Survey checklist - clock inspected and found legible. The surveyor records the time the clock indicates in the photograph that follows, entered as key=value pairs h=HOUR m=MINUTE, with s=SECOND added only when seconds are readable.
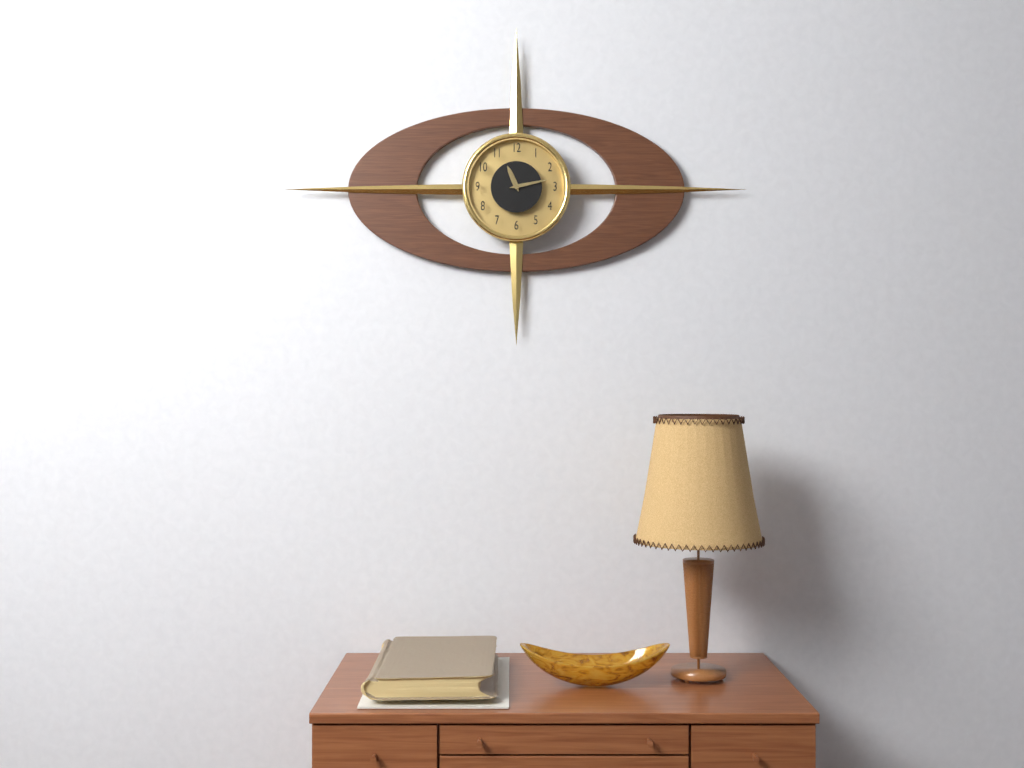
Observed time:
h=11 m=13
